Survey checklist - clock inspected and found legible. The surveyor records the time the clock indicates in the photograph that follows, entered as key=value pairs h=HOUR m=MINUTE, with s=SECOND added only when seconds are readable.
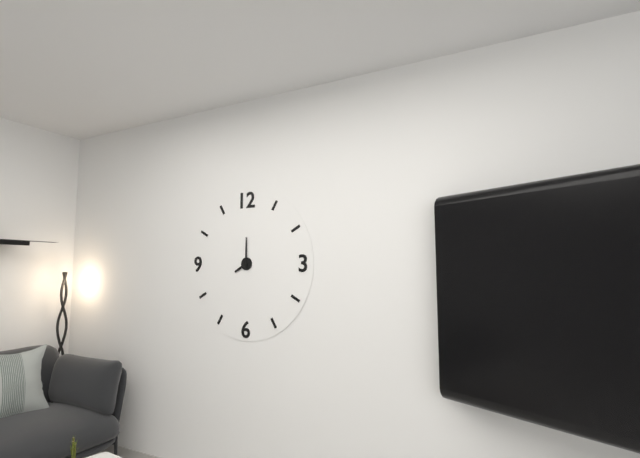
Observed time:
h=8 m=0
